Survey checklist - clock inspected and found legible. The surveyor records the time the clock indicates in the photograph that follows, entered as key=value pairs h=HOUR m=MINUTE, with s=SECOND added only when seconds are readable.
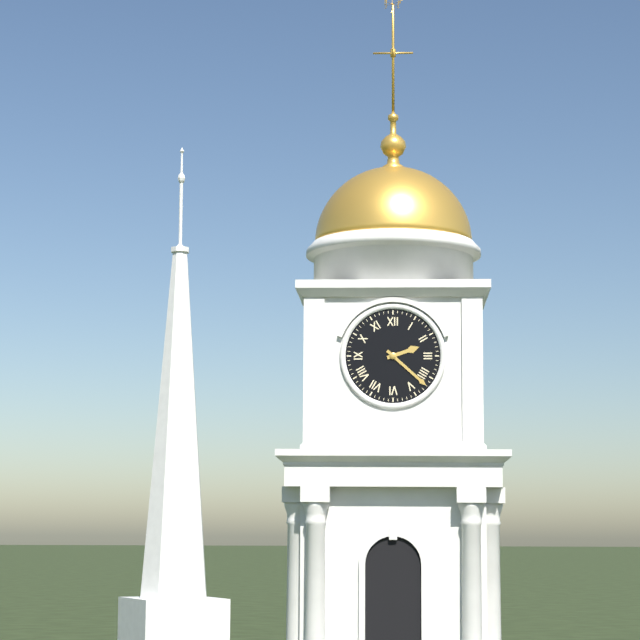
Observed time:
h=2 m=22
